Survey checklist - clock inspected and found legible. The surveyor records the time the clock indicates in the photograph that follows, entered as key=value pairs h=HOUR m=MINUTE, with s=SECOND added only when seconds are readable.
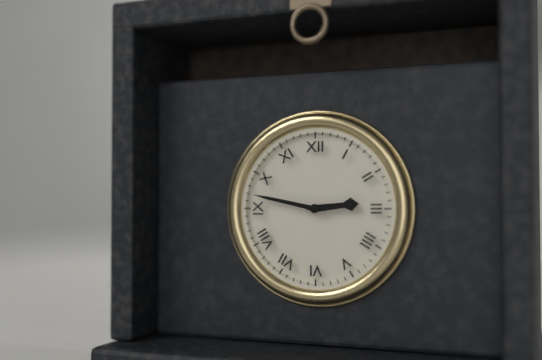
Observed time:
h=2 m=47
